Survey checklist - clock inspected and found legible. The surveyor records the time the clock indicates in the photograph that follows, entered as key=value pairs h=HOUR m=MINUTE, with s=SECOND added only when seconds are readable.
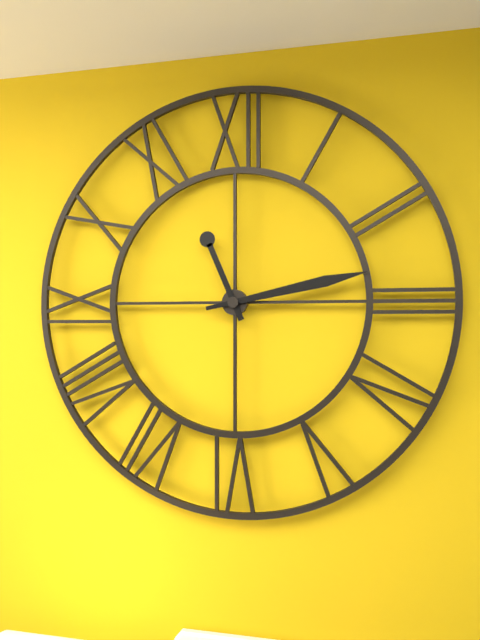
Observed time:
h=11 m=13
